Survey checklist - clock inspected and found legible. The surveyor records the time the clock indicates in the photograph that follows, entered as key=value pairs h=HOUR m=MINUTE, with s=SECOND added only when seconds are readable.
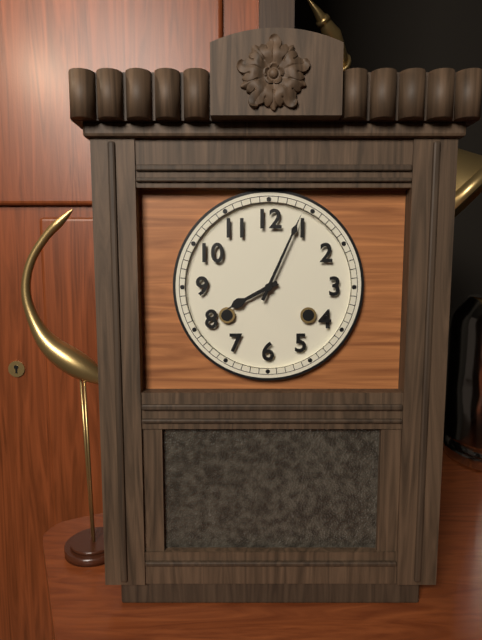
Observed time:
h=8 m=4
